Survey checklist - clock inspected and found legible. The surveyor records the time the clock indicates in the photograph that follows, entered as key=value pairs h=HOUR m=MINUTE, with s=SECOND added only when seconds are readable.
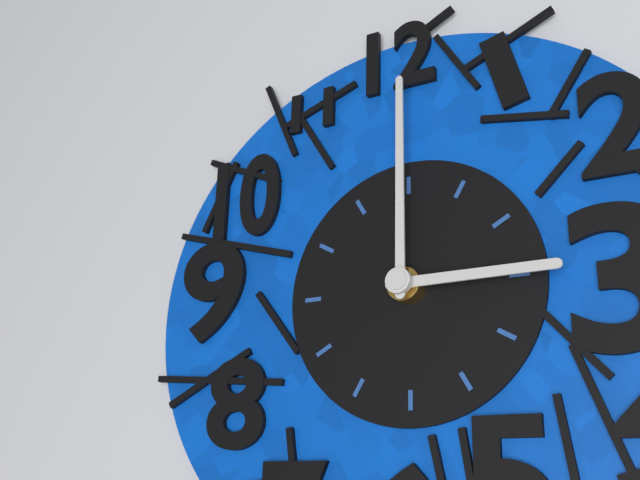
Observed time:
h=3 m=0
